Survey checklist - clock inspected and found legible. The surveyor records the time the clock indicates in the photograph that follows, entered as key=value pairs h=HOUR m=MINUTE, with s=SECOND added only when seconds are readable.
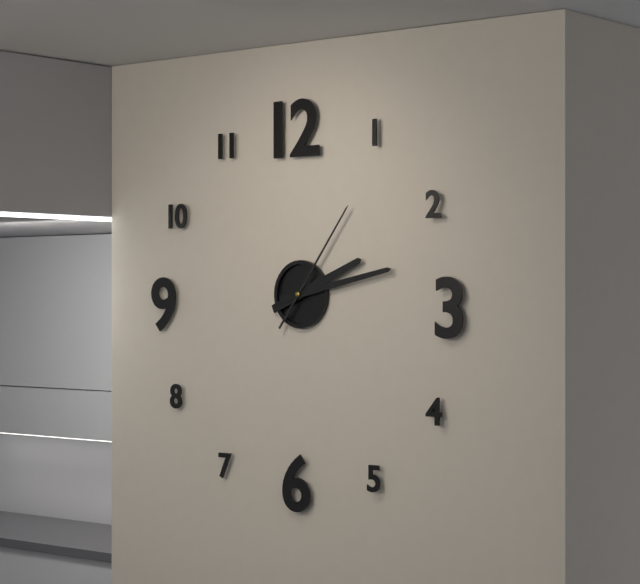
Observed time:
h=2 m=13 s=6
